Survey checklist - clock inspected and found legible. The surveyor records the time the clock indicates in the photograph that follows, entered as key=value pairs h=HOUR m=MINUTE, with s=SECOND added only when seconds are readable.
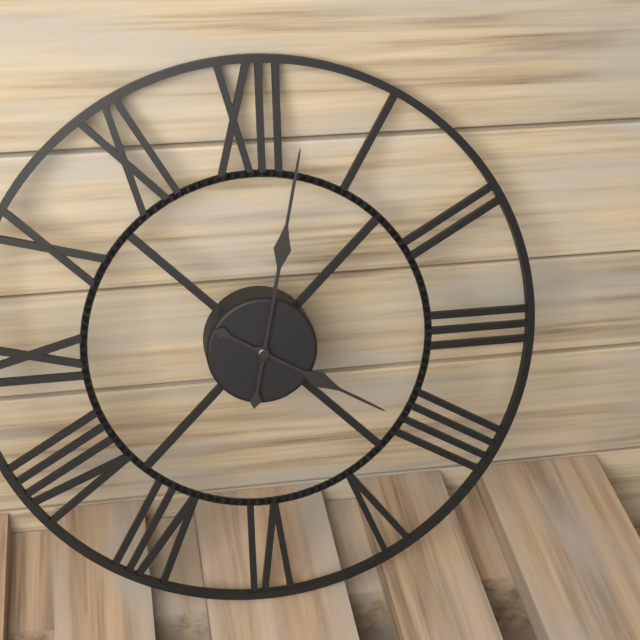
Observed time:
h=4 m=2
